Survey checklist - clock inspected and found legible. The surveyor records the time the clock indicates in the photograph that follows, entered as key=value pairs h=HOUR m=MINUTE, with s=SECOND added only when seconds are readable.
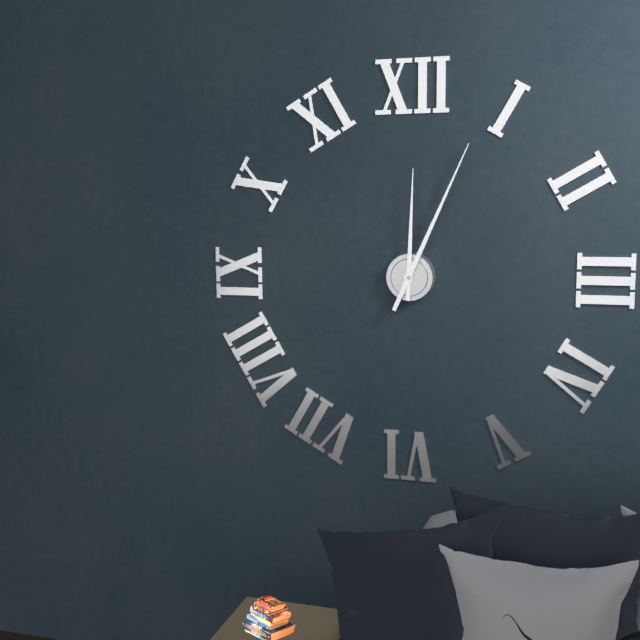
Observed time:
h=12 m=4
